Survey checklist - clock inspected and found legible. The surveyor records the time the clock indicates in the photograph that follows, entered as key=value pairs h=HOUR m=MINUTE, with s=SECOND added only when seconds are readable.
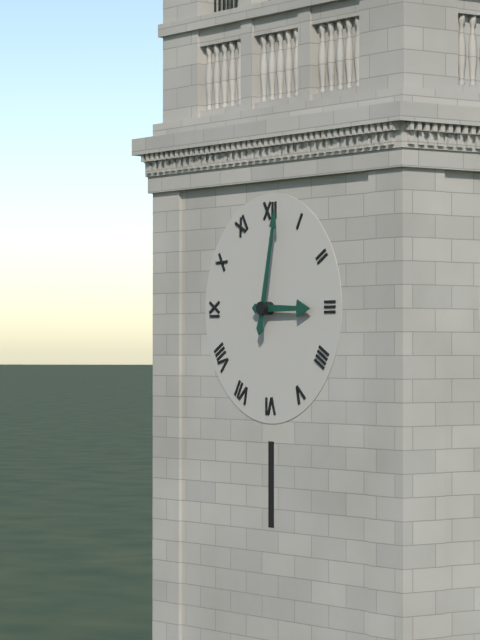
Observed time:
h=3 m=2
